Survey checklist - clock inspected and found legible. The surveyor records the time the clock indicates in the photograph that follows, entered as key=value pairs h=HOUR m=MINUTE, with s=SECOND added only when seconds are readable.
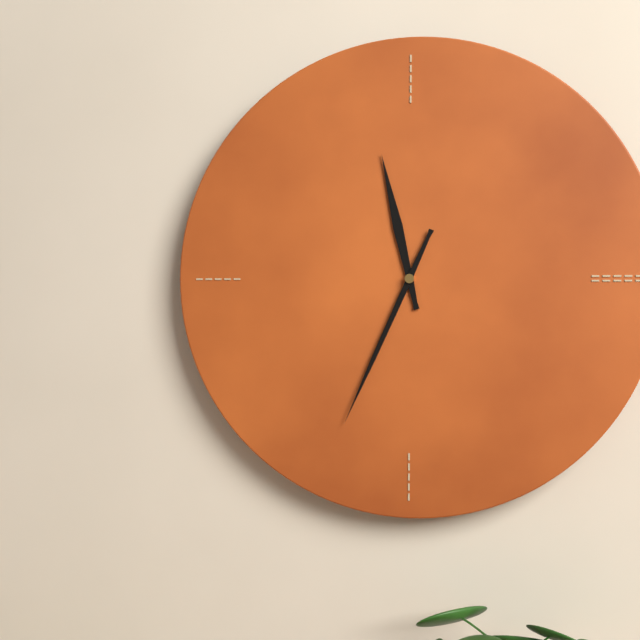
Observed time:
h=11 m=34
